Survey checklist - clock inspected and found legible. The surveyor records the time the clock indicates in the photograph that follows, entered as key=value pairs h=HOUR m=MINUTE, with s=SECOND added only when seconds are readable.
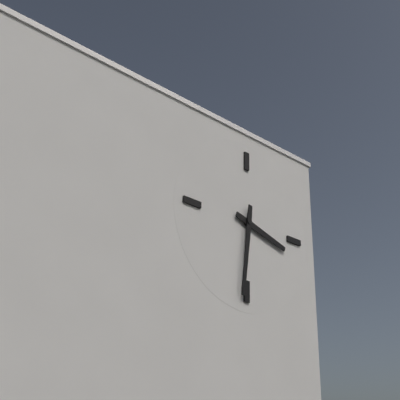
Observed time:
h=3 m=31
